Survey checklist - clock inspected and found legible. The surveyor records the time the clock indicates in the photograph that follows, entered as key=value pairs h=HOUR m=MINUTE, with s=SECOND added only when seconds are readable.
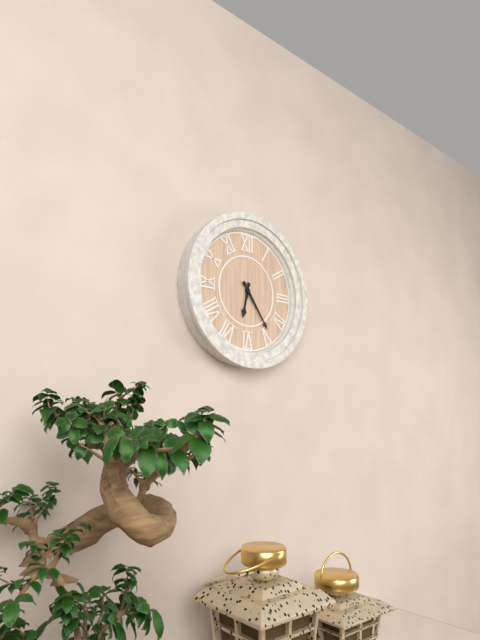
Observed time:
h=6 m=24
